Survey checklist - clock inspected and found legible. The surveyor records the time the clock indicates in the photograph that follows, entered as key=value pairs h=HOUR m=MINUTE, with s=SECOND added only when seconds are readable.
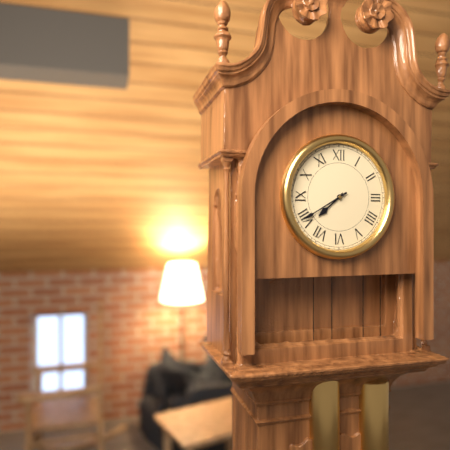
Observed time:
h=7 m=40
